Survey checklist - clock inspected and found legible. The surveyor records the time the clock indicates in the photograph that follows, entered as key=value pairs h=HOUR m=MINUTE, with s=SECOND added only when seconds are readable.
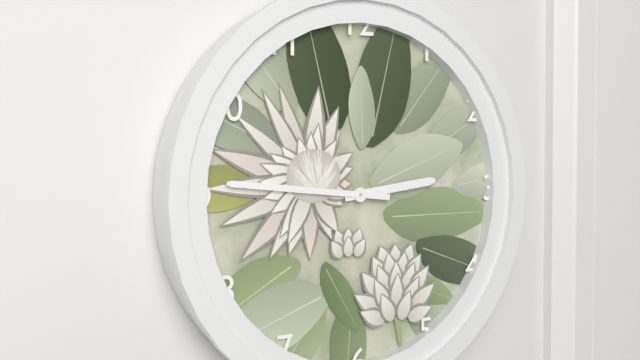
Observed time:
h=2 m=46
